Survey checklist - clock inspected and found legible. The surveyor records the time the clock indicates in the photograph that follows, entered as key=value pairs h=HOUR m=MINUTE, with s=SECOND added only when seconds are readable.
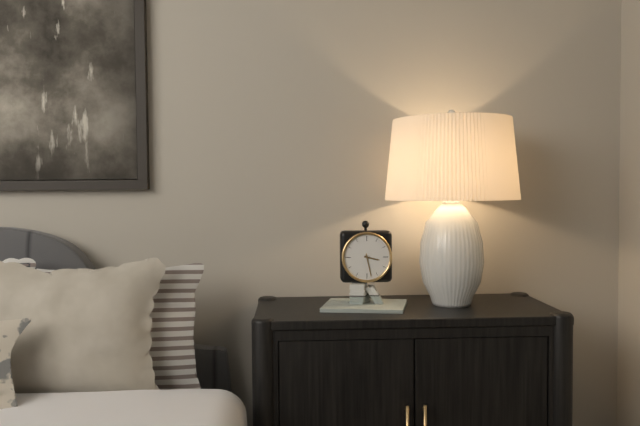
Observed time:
h=3 m=28
